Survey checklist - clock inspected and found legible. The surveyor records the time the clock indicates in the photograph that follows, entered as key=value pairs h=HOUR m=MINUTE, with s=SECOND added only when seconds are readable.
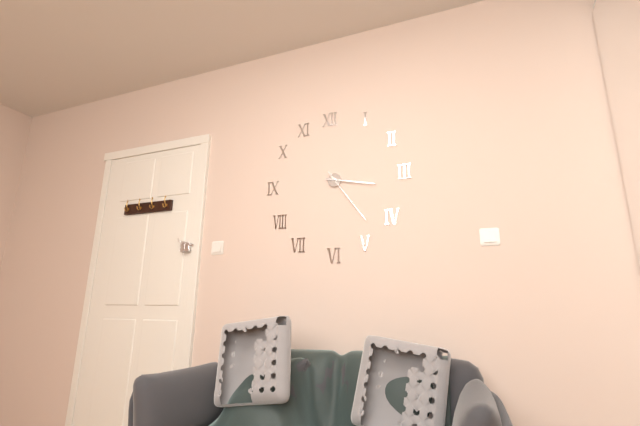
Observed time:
h=3 m=24
